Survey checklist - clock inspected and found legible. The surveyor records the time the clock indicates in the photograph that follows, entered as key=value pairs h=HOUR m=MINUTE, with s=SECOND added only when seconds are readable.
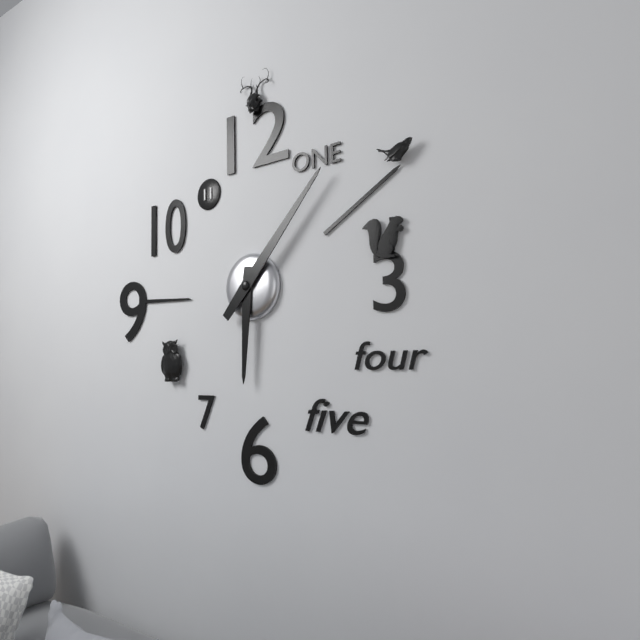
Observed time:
h=6 m=7
